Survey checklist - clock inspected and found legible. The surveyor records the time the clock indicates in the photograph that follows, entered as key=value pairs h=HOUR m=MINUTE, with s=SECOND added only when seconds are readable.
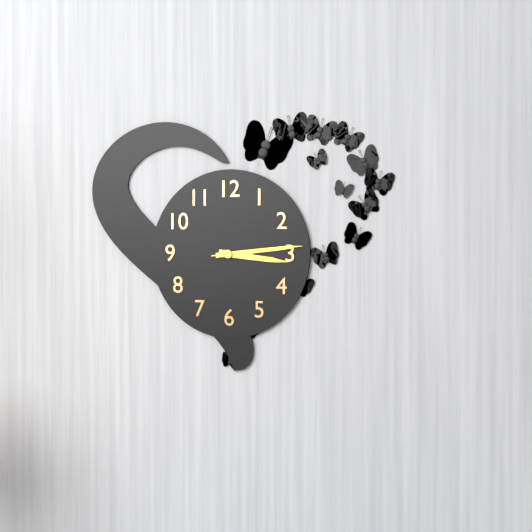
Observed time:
h=3 m=14 s=14
